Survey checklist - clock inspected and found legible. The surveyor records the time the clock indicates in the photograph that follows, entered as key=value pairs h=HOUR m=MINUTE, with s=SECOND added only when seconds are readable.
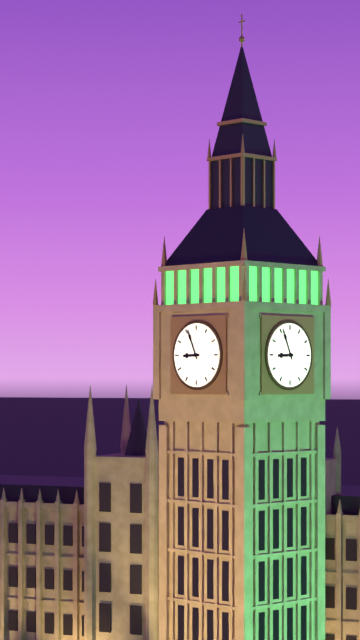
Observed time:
h=8 m=56
